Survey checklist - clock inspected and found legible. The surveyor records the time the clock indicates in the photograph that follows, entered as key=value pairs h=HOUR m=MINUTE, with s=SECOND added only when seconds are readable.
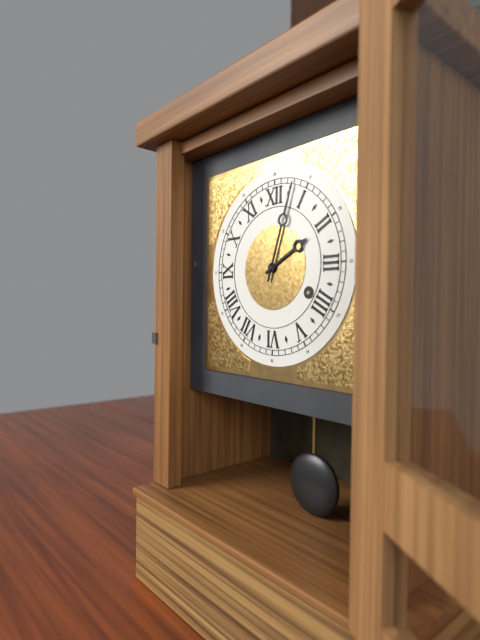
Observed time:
h=2 m=3
